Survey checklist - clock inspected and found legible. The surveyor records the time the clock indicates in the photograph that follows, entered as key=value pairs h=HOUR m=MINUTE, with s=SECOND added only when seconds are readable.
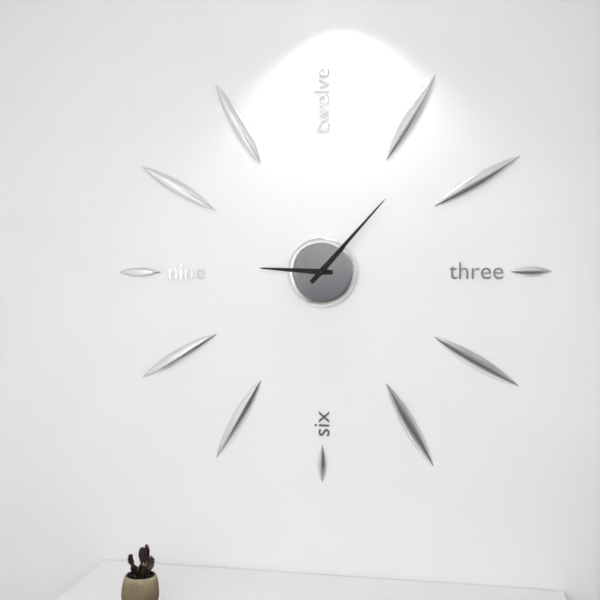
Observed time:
h=9 m=7
